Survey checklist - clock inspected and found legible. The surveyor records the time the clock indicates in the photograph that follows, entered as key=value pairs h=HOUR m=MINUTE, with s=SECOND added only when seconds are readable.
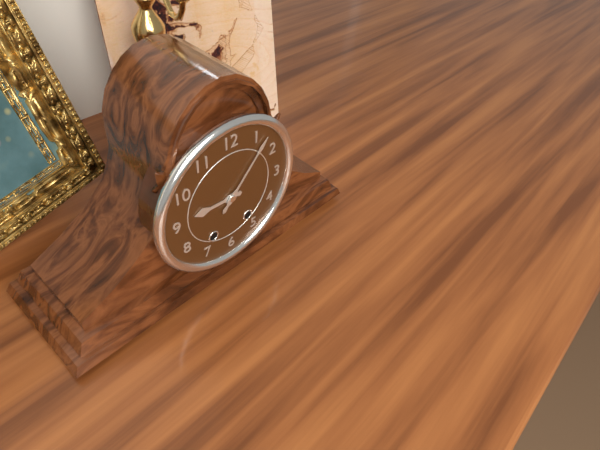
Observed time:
h=9 m=7
